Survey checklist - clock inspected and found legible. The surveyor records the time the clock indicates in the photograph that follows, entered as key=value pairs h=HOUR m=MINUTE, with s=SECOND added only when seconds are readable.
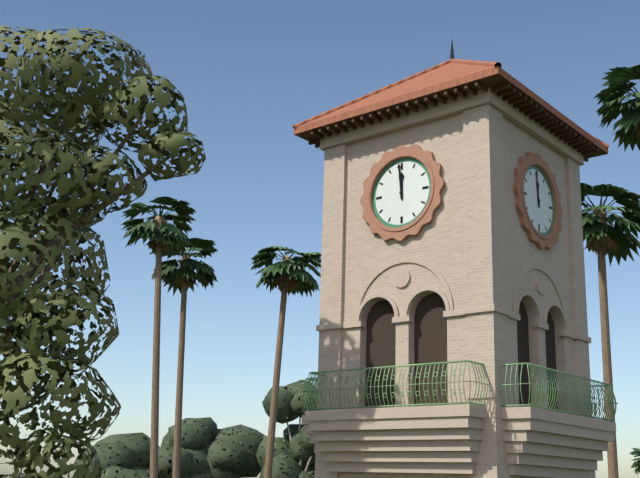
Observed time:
h=11 m=59
